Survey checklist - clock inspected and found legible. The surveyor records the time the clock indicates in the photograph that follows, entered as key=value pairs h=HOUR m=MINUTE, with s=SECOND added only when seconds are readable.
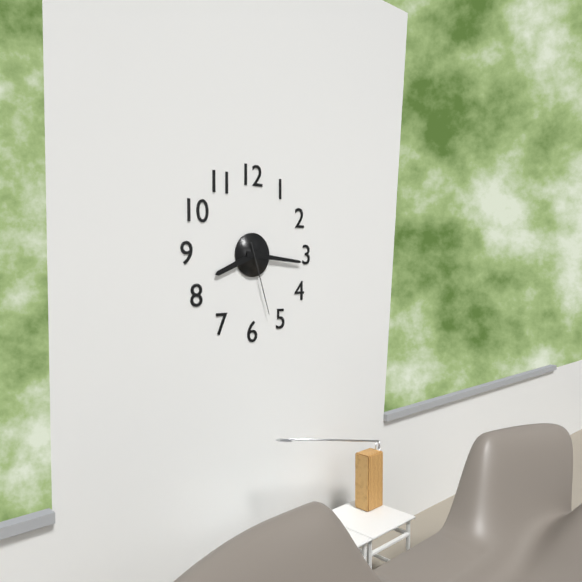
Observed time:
h=8 m=16 s=27
